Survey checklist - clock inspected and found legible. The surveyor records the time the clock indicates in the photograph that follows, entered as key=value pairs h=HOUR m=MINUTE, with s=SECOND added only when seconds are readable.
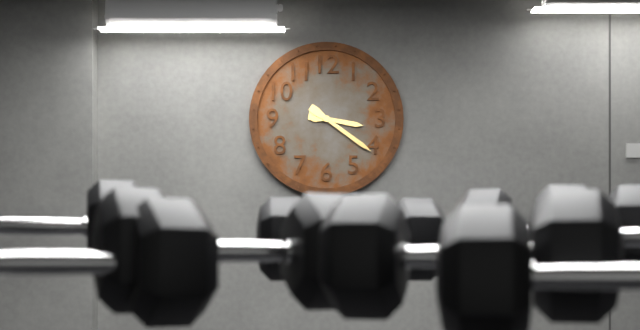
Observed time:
h=3 m=21
